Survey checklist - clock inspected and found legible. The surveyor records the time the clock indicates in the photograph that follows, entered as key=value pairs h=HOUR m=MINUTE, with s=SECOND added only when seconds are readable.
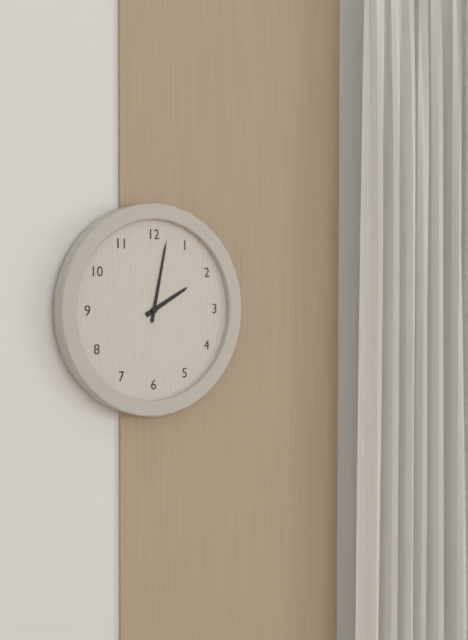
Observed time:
h=2 m=2
